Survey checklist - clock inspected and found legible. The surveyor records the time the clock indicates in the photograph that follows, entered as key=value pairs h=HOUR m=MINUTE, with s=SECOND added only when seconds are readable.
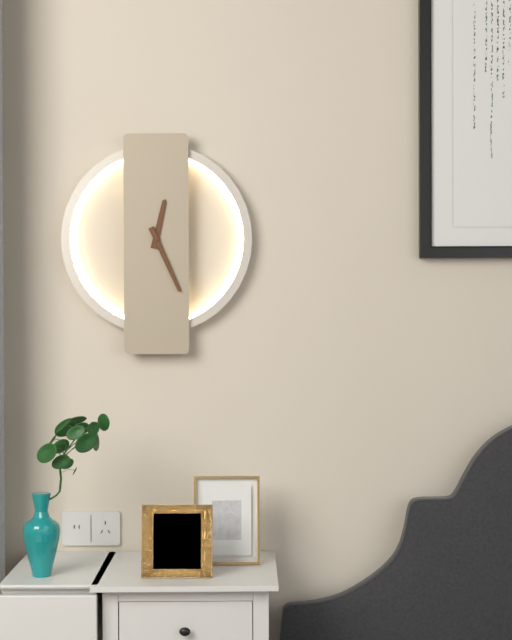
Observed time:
h=12 m=26
